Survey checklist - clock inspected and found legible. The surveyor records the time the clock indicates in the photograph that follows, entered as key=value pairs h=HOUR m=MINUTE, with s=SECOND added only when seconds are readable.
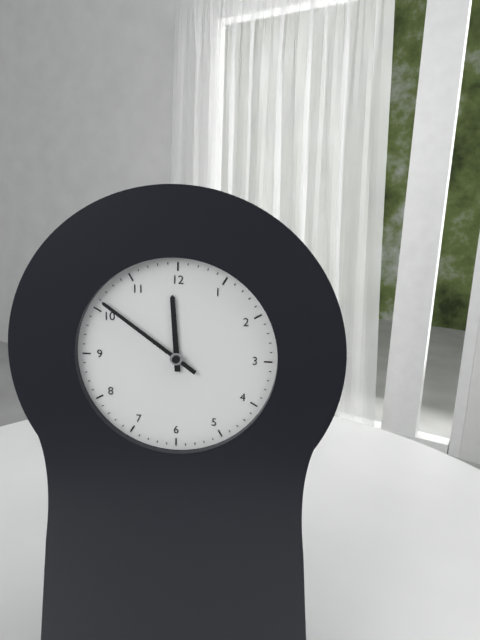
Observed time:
h=11 m=51
